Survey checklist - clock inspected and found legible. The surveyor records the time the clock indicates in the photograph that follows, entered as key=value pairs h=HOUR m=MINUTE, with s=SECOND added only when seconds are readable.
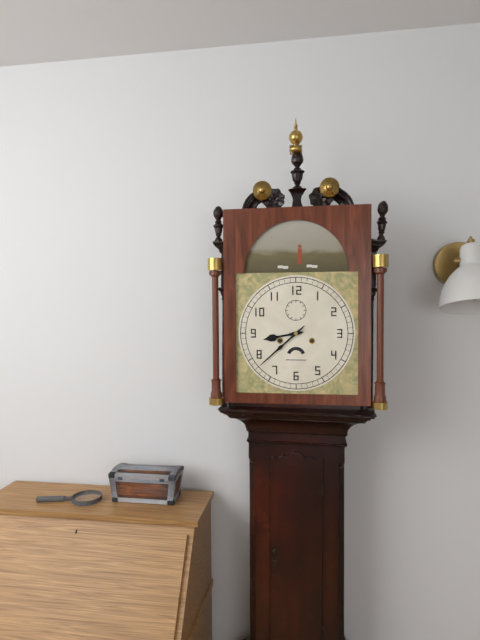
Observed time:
h=8 m=38
